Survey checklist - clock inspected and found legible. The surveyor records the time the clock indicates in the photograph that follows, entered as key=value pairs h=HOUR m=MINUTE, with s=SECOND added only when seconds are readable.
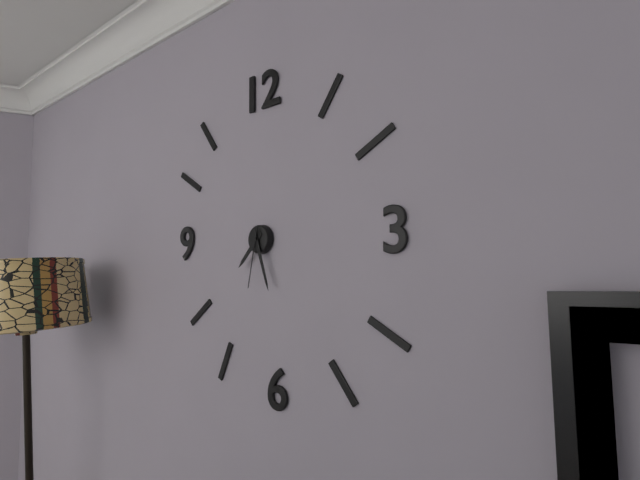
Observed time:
h=7 m=27 s=32
